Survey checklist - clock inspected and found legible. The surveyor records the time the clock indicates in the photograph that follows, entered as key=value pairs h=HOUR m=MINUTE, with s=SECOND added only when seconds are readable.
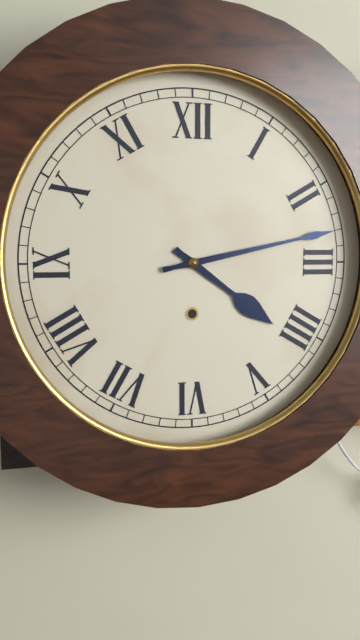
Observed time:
h=4 m=13
